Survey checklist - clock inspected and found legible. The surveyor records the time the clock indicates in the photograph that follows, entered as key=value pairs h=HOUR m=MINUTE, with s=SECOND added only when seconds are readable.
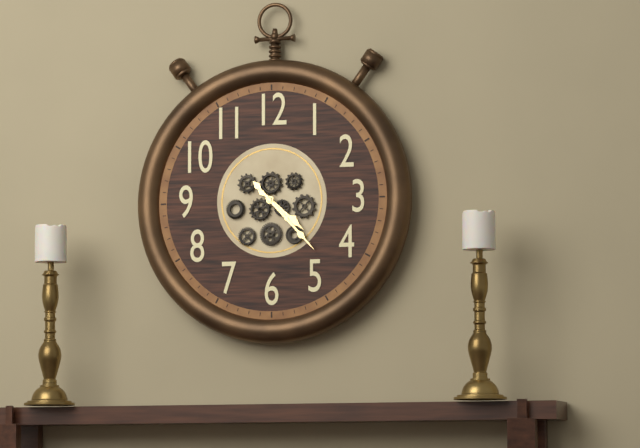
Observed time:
h=4 m=23
